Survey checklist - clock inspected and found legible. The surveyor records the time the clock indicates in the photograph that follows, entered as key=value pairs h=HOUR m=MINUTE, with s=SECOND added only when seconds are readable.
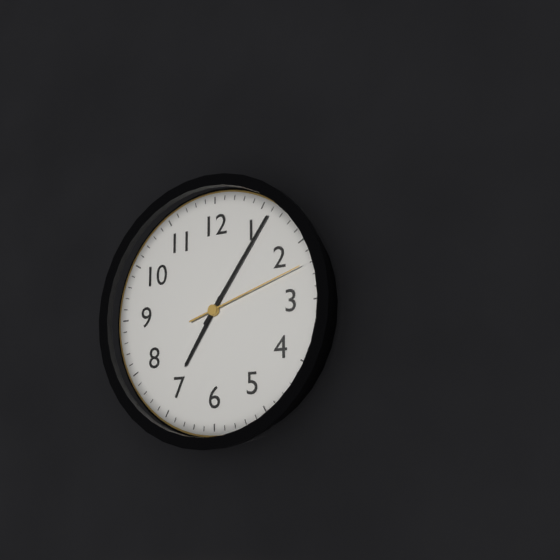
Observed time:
h=7 m=6 s=12
